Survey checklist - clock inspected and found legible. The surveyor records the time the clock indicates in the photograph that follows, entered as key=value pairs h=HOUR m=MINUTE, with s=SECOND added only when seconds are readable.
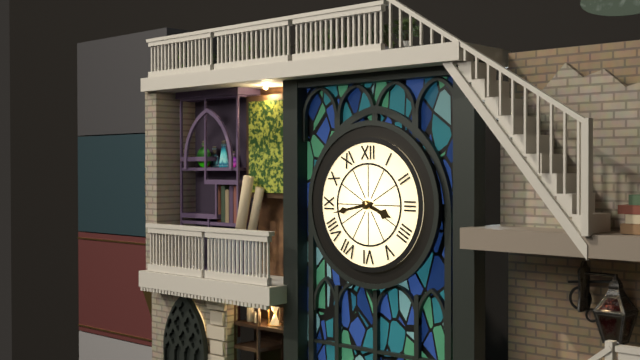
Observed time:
h=3 m=43
